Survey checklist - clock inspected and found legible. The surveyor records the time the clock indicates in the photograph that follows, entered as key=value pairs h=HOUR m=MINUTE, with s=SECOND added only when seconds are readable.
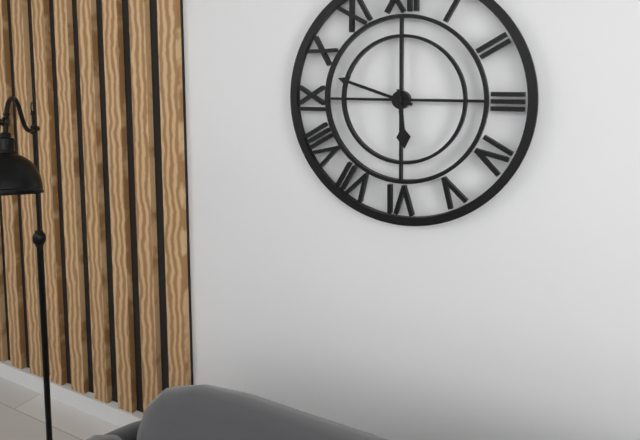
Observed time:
h=5 m=48
